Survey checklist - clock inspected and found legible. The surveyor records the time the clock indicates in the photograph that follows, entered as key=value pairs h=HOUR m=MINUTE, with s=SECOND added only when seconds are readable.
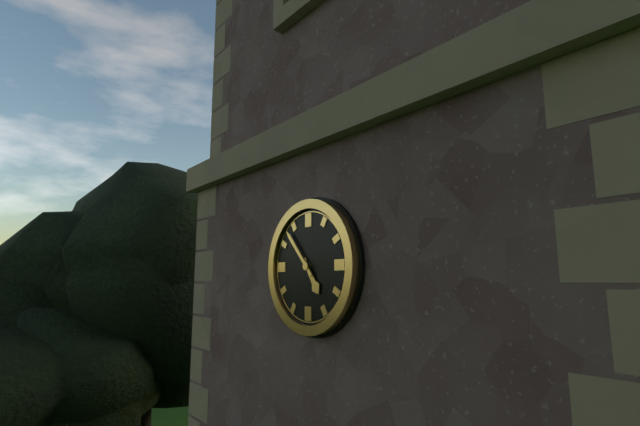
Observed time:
h=4 m=53
